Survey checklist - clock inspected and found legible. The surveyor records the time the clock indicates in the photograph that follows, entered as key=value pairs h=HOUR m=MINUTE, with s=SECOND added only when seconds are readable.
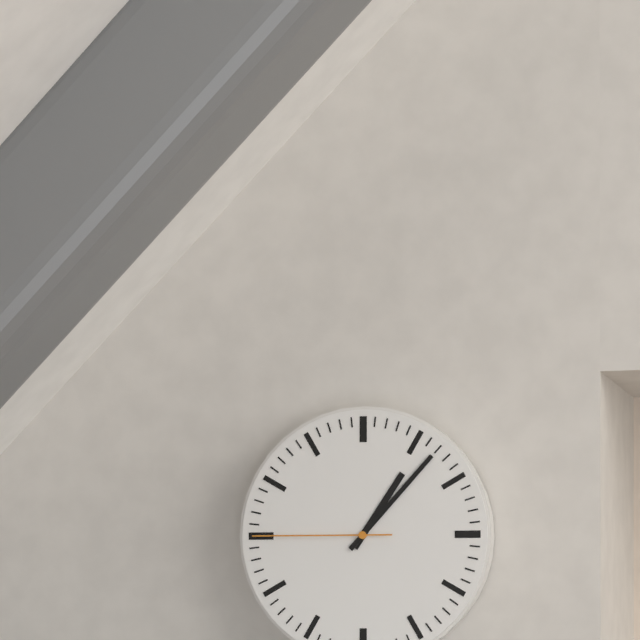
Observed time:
h=1 m=7 s=45
